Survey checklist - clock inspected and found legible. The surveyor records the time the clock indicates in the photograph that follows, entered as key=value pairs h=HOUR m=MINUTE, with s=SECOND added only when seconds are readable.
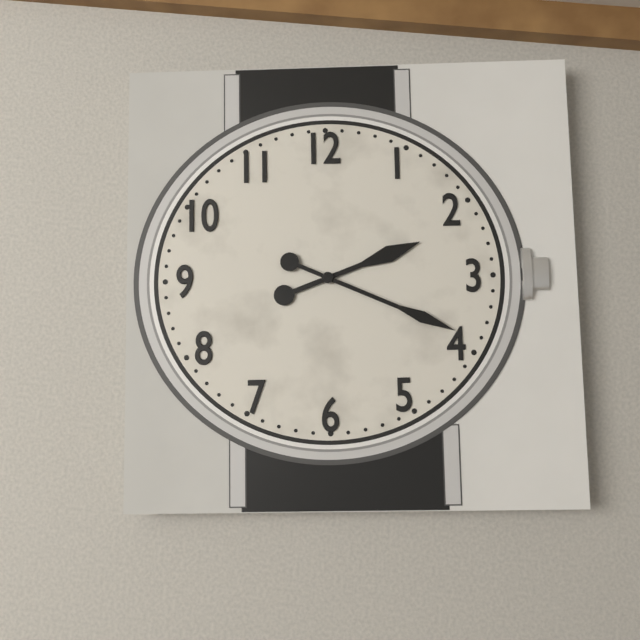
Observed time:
h=2 m=19
